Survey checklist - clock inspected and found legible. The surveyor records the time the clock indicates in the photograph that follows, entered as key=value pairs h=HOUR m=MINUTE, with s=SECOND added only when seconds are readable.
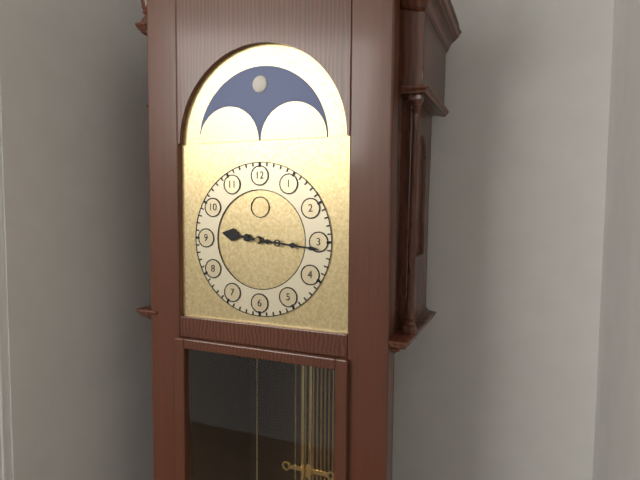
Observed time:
h=9 m=16
